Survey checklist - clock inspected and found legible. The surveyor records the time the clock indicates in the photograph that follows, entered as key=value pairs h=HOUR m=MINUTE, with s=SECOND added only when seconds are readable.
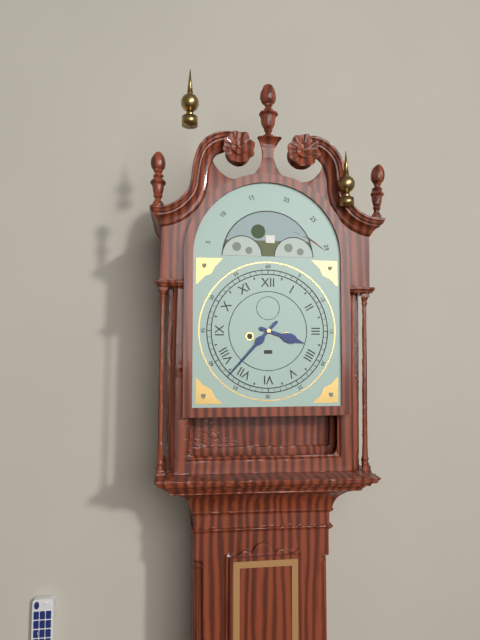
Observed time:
h=3 m=37
